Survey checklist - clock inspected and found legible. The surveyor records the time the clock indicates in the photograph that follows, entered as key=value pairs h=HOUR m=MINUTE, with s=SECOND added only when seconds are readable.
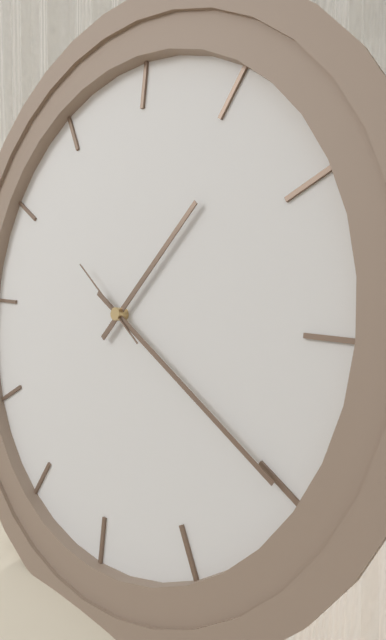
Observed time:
h=1 m=20 s=51
